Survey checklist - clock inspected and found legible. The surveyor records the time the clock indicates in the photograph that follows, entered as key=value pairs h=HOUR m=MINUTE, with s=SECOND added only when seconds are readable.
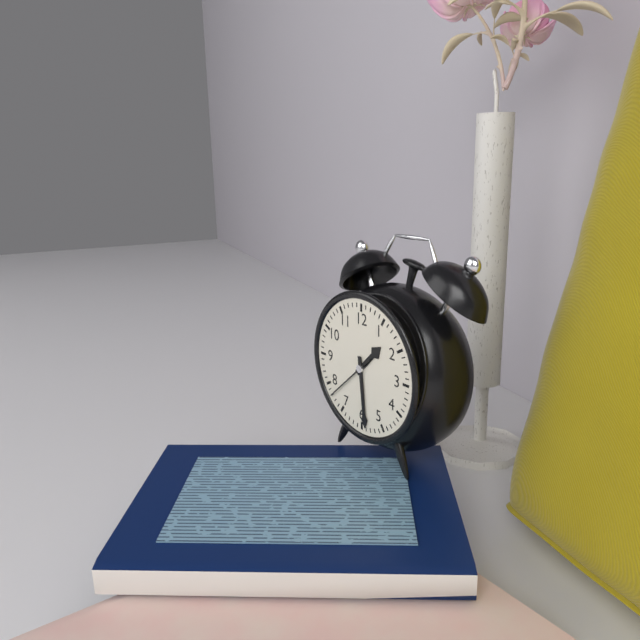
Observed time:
h=1 m=29
